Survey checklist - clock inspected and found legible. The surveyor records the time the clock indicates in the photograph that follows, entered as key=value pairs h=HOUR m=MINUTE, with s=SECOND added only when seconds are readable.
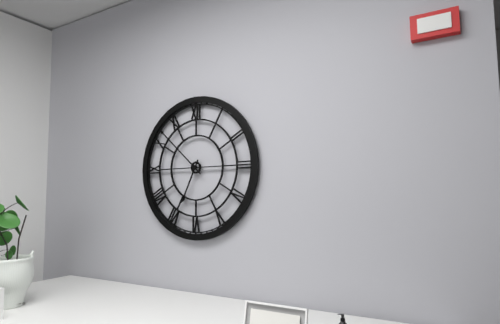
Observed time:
h=6 m=52
